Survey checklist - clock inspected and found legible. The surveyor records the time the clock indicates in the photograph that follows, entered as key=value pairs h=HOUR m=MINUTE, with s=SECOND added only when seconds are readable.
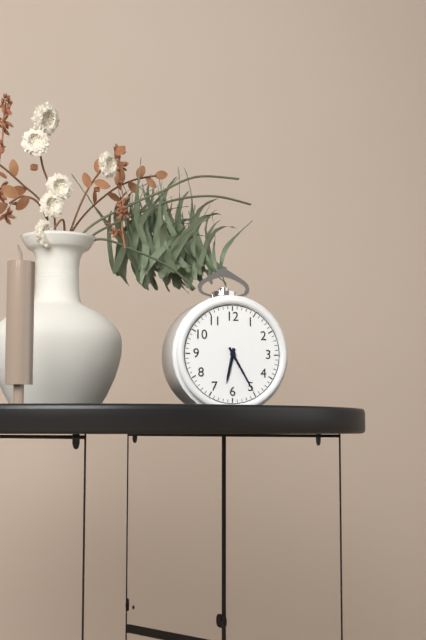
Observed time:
h=6 m=25
